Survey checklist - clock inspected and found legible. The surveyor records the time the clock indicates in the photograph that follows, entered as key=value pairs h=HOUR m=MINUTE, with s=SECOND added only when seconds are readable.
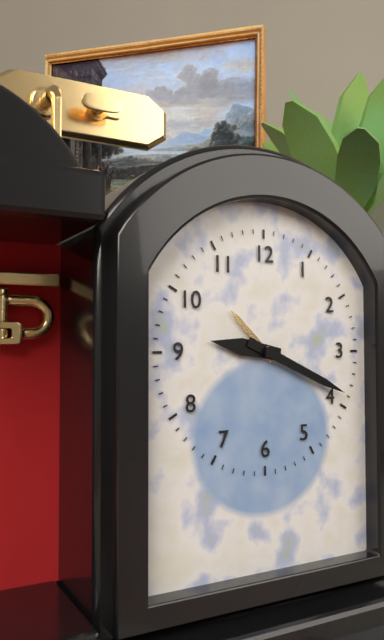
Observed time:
h=9 m=19
